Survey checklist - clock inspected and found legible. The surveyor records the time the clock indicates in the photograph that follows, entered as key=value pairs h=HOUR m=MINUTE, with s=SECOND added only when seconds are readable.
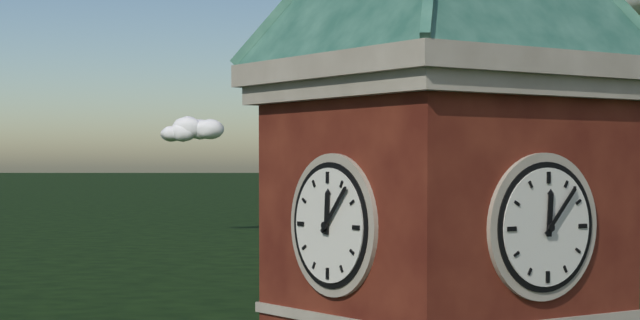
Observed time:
h=12 m=7
